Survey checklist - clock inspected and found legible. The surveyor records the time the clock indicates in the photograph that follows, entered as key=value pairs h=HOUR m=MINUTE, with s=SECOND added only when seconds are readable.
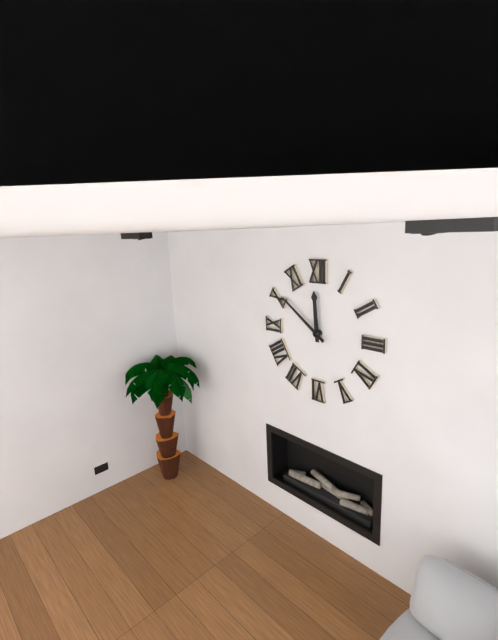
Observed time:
h=11 m=51
